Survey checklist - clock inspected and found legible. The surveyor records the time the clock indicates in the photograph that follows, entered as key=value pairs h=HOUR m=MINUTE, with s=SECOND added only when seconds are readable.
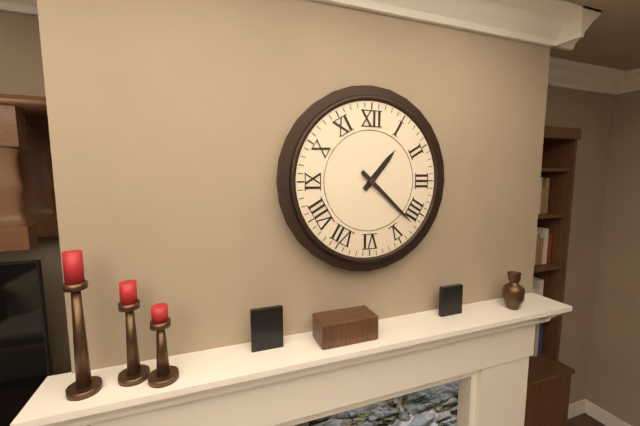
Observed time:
h=1 m=22
